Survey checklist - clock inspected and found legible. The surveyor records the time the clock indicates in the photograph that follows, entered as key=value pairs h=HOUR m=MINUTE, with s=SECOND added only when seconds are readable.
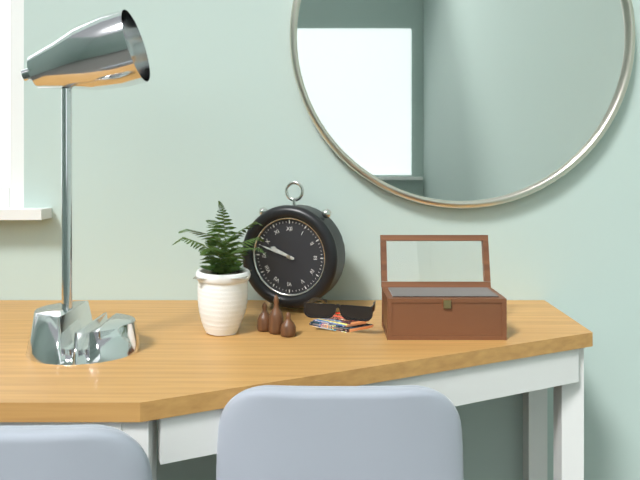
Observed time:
h=9 m=48
